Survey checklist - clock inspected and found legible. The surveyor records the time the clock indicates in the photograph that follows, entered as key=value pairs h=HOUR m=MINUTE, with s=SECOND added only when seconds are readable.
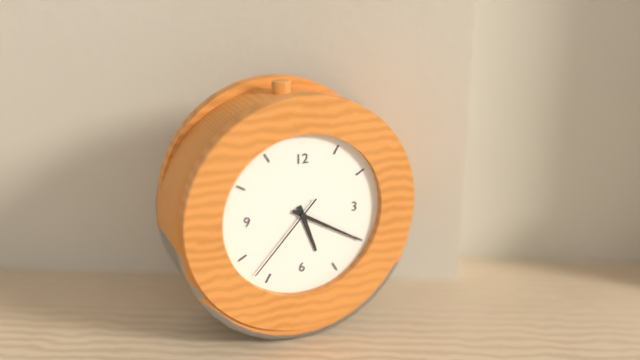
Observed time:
h=5 m=20 s=37
